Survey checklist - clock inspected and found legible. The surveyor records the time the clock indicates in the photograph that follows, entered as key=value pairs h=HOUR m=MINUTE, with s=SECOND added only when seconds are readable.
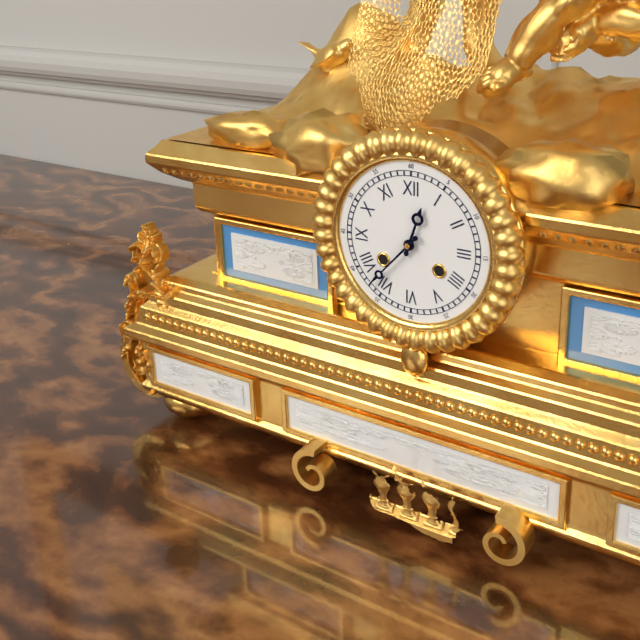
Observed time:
h=12 m=37
